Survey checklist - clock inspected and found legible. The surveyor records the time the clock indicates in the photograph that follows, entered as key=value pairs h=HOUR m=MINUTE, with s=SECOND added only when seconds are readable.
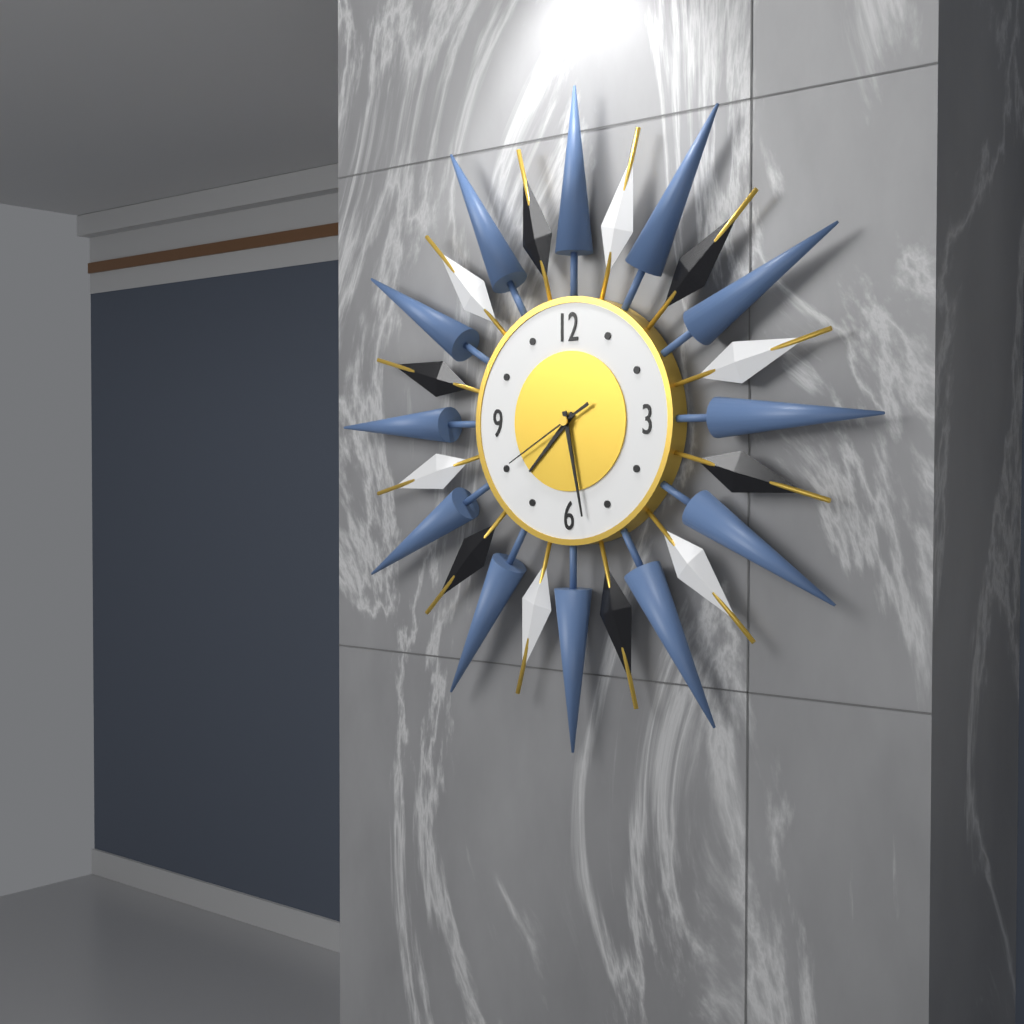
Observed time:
h=7 m=28 s=40
